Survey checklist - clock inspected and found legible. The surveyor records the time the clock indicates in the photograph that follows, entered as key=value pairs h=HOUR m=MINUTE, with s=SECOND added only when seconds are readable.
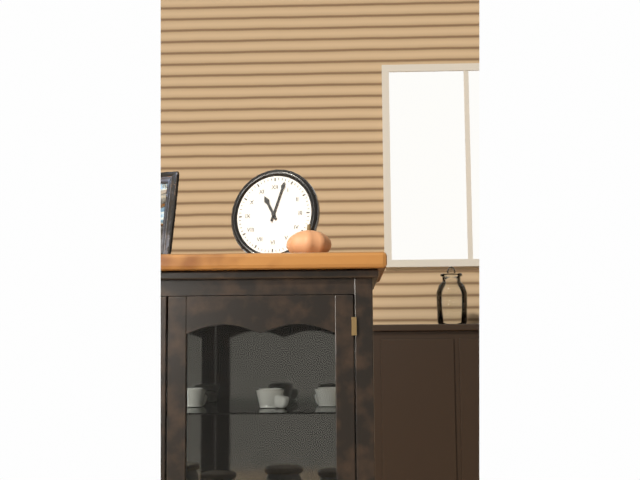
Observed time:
h=11 m=3
